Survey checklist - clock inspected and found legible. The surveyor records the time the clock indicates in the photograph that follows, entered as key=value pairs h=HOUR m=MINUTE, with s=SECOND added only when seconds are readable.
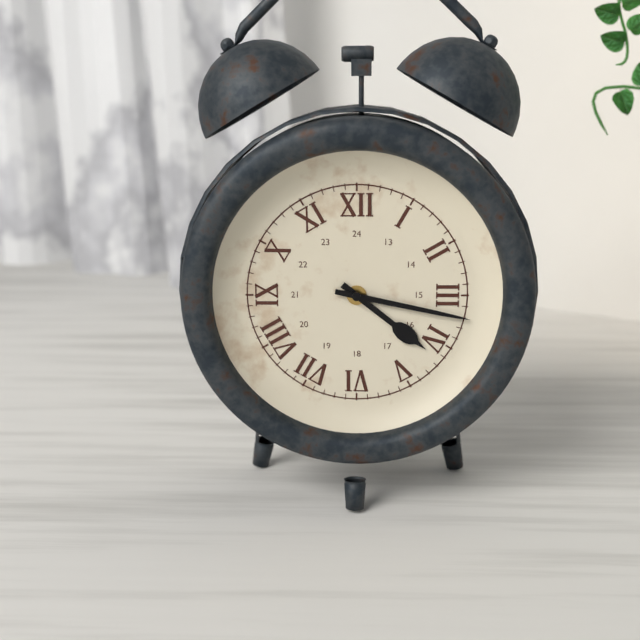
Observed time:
h=4 m=17
